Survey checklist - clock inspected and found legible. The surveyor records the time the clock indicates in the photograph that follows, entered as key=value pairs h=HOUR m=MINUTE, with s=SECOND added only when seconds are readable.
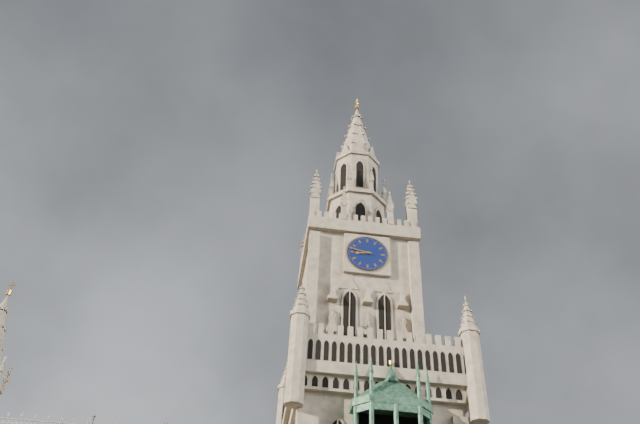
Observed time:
h=8 m=47
